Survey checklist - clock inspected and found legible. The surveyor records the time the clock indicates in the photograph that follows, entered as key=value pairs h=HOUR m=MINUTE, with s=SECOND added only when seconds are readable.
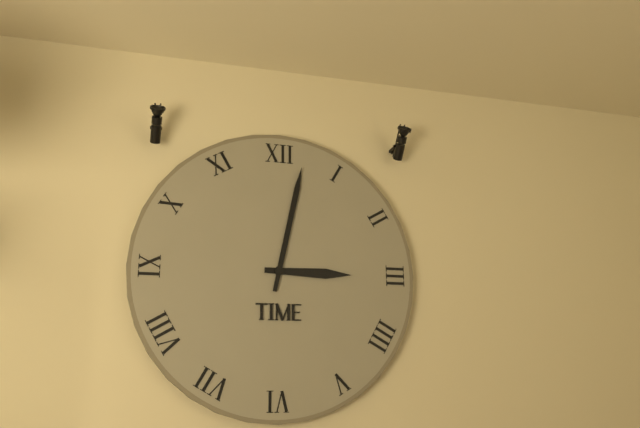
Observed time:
h=3 m=2
